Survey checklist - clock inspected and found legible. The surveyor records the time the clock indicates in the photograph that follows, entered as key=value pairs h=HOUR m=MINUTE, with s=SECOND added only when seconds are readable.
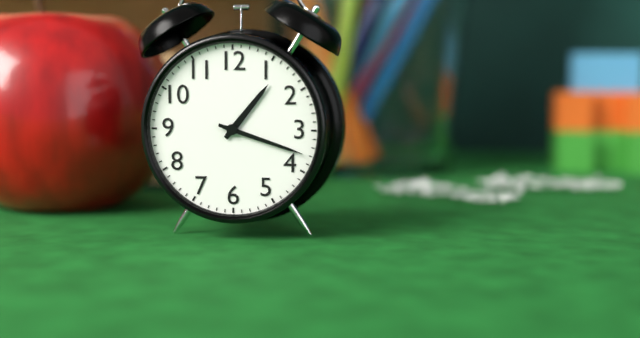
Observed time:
h=1 m=18
